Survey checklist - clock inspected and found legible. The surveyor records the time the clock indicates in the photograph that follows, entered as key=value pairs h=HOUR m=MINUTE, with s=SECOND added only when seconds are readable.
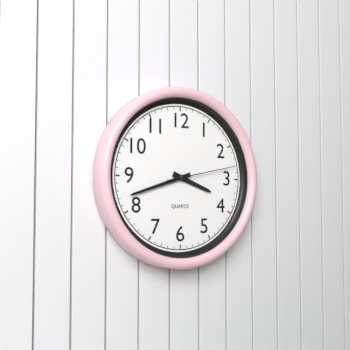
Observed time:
h=3 m=42 s=13
